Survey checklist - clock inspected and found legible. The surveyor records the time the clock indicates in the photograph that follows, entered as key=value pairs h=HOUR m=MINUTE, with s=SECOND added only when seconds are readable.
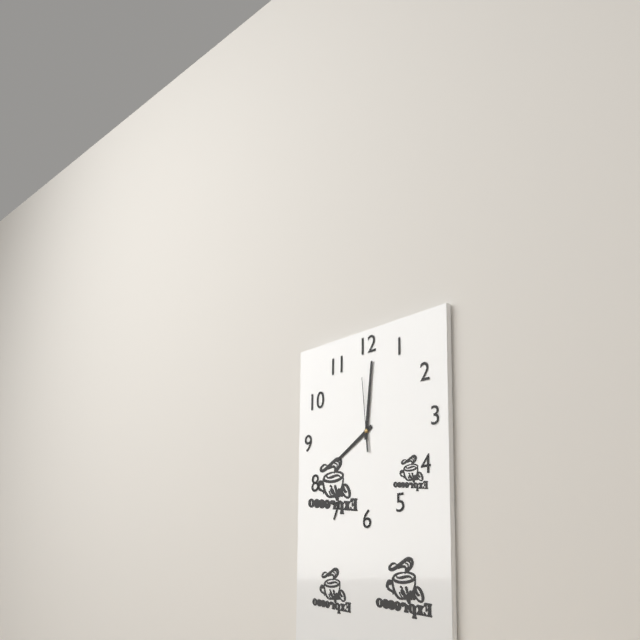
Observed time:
h=8 m=1 s=59
